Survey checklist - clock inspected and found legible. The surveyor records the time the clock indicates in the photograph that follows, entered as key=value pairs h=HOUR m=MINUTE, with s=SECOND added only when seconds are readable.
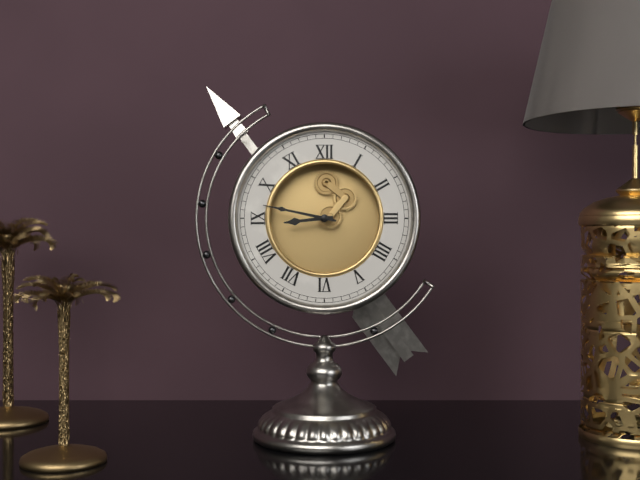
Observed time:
h=8 m=47
